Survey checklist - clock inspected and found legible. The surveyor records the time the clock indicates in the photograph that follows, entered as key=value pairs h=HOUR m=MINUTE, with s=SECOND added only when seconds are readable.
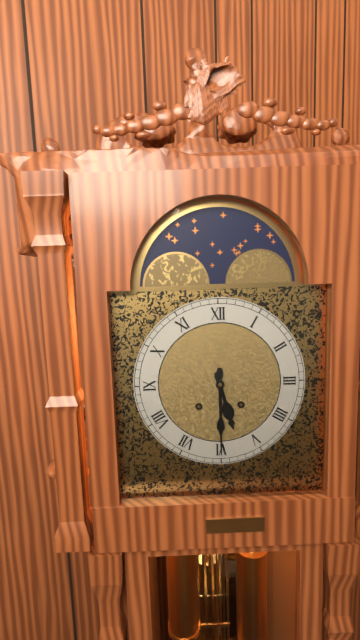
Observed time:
h=5 m=30
